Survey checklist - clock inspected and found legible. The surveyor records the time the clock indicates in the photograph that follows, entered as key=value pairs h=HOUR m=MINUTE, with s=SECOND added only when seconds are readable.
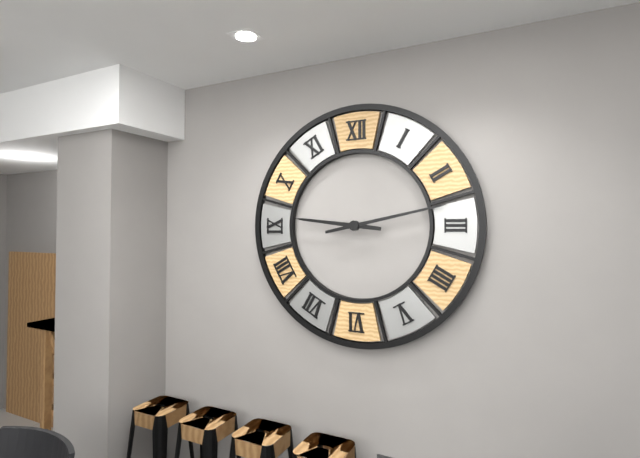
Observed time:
h=9 m=13
